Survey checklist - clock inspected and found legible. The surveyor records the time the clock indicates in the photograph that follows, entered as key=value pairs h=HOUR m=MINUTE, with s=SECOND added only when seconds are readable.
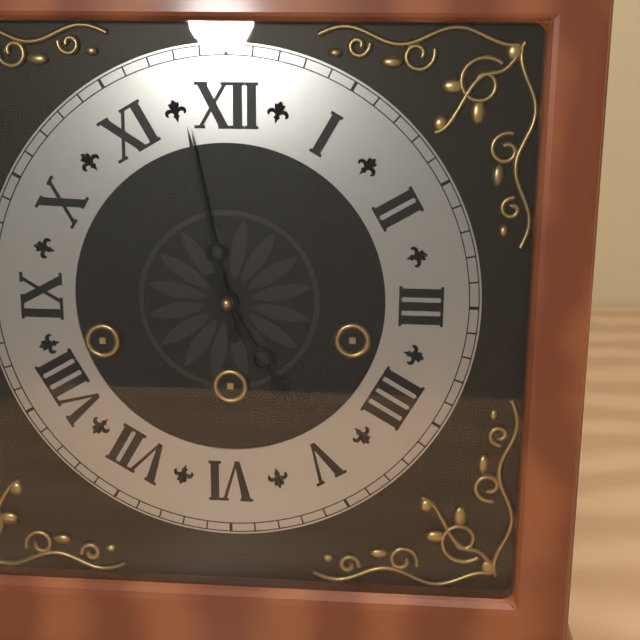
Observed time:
h=4 m=58
